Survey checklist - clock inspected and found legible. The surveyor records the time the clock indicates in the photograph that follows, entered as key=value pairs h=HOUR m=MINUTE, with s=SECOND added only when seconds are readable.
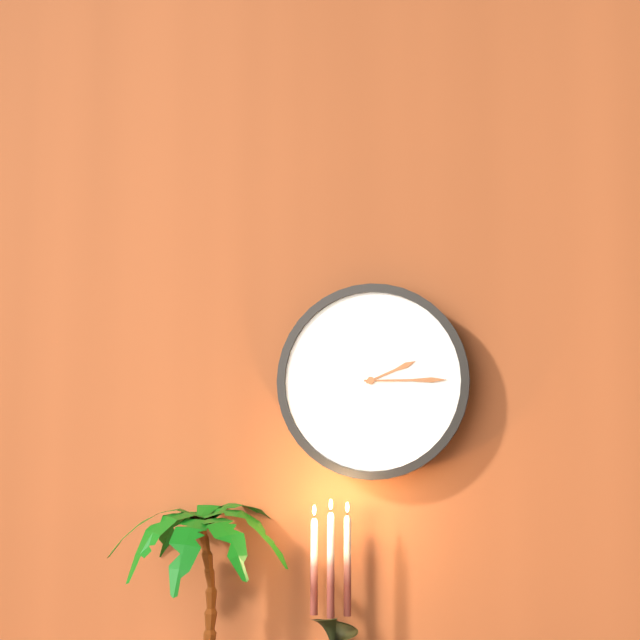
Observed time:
h=2 m=15
